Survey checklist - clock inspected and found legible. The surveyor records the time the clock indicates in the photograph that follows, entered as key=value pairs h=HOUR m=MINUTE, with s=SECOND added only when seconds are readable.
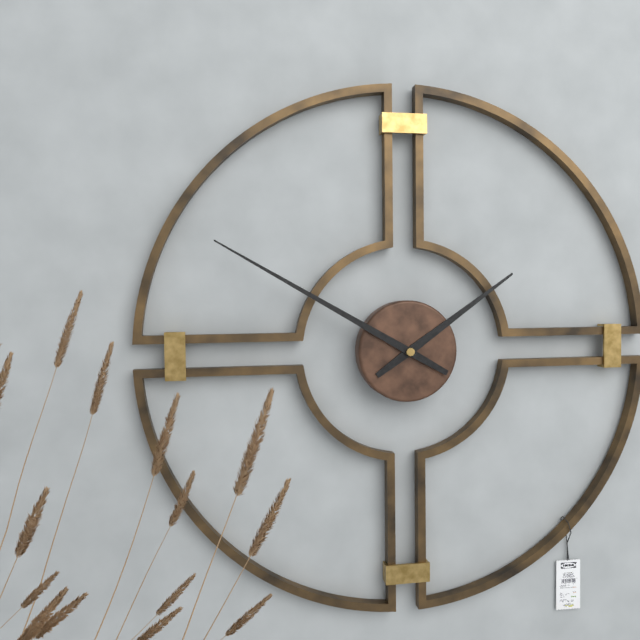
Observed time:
h=1 m=50
